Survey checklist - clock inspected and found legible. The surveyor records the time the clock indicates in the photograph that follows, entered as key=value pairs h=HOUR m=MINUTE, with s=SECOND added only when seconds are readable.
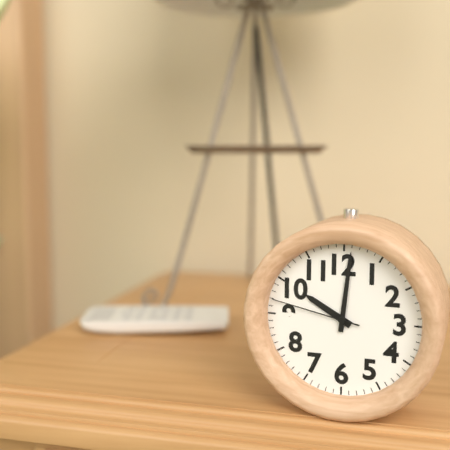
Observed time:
h=10 m=1 s=47
